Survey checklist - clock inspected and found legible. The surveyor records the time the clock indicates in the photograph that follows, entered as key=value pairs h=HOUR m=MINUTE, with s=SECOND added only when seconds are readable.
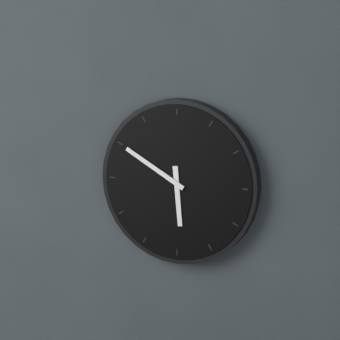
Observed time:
h=5 m=50
